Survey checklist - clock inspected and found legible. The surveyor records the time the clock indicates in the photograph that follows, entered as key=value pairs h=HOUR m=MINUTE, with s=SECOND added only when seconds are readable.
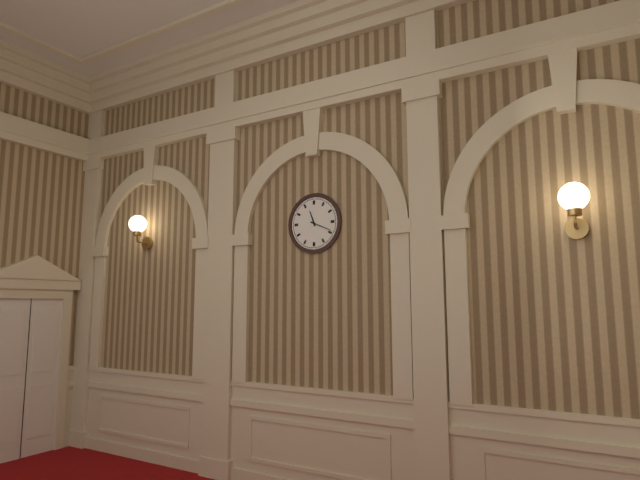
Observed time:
h=11 m=19
